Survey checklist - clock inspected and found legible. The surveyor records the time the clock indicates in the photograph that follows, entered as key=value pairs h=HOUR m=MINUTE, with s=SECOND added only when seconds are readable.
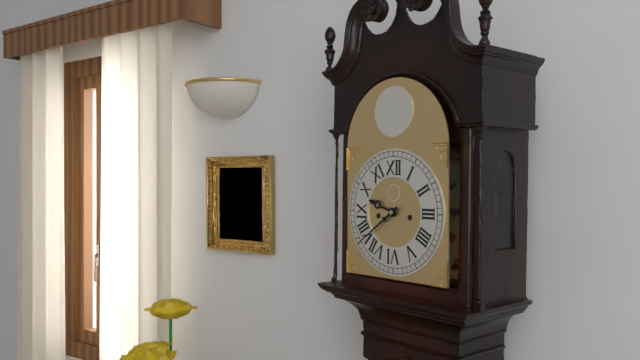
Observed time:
h=9 m=39
